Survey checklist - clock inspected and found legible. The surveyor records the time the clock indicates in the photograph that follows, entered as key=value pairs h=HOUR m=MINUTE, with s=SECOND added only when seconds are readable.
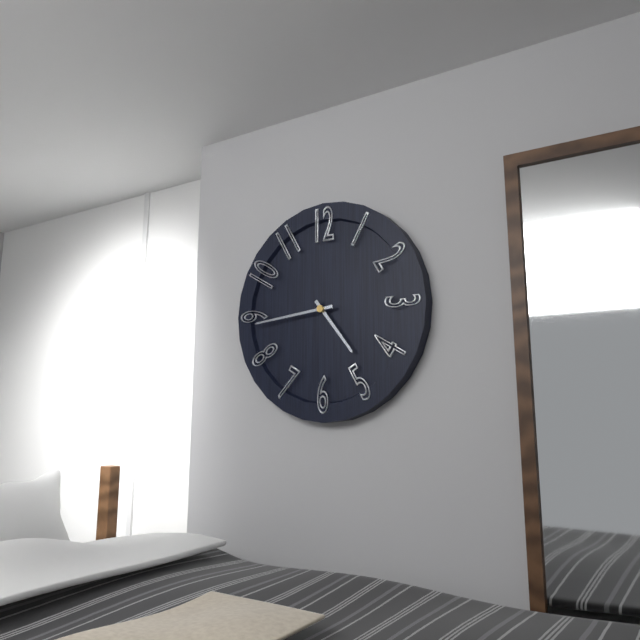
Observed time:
h=4 m=44
